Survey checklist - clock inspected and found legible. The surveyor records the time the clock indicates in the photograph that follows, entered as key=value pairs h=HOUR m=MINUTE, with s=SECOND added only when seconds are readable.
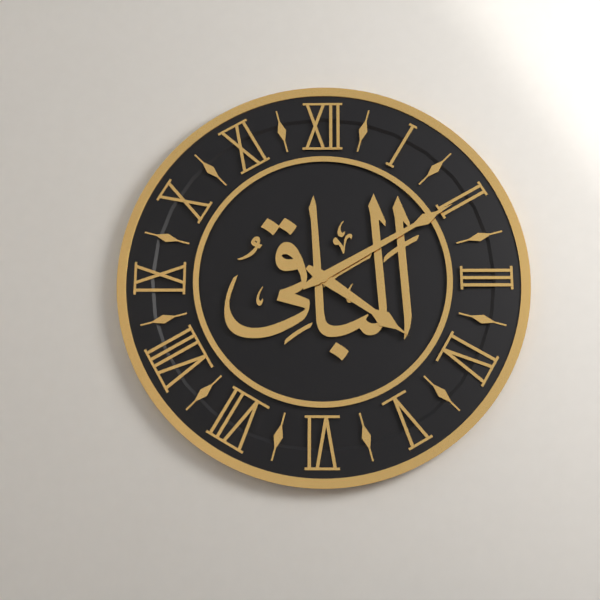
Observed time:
h=4 m=10
